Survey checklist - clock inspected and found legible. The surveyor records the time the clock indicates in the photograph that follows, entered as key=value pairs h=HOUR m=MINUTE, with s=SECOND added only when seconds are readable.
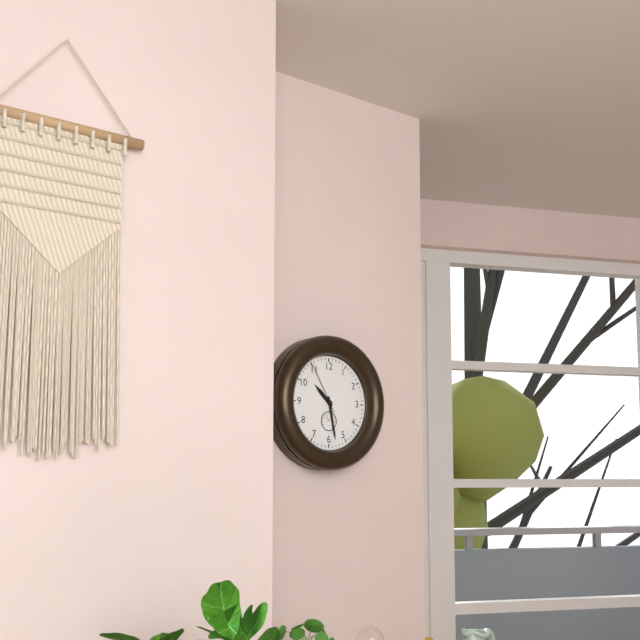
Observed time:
h=10 m=28 s=55
